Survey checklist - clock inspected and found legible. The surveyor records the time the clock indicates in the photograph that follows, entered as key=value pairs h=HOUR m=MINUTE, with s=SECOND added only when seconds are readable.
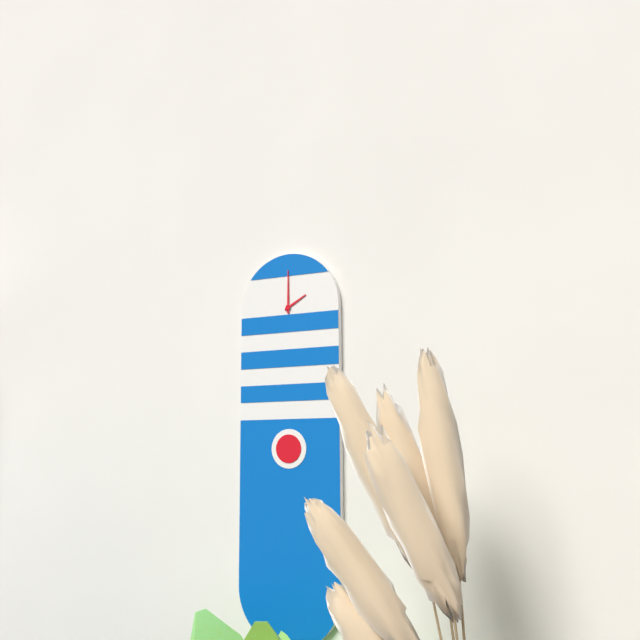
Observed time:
h=2 m=0
